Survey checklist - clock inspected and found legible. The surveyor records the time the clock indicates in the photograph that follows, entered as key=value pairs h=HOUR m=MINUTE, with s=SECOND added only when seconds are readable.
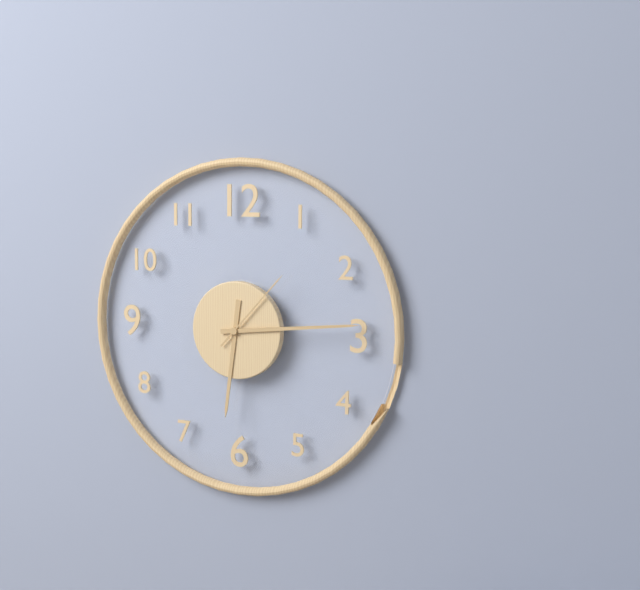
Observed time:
h=6 m=14 s=7
